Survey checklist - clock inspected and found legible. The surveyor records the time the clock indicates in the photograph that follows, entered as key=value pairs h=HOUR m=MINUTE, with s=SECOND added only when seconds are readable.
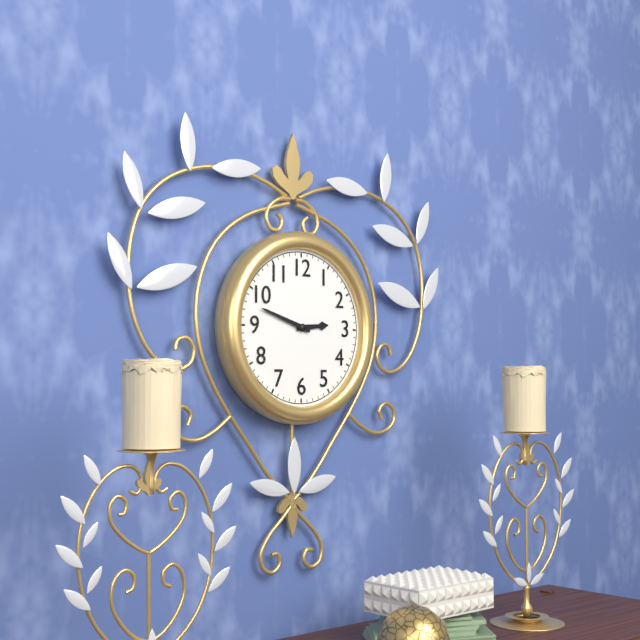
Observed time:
h=2 m=48
